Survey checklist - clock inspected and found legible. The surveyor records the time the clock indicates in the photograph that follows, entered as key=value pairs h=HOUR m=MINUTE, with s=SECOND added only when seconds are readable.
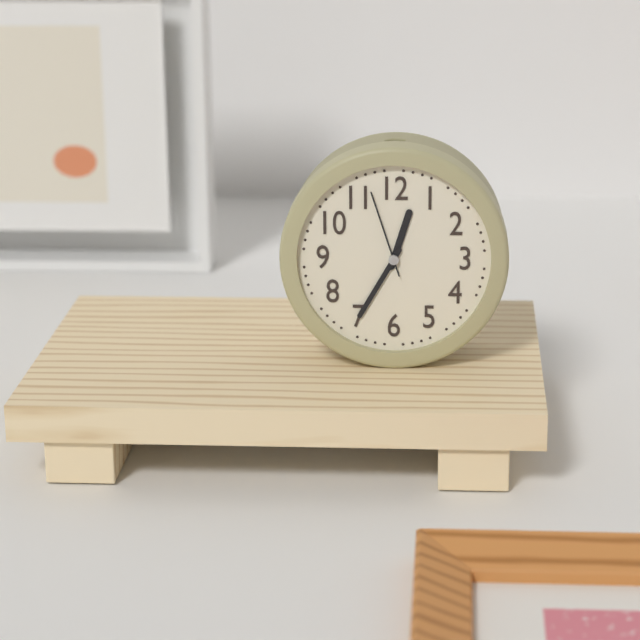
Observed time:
h=12 m=35 s=57
